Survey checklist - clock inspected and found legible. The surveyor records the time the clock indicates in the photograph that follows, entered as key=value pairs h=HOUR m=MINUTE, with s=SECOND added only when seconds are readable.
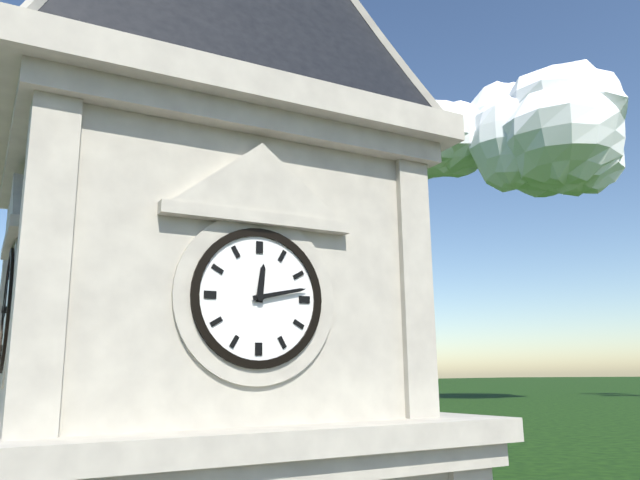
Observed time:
h=12 m=13
